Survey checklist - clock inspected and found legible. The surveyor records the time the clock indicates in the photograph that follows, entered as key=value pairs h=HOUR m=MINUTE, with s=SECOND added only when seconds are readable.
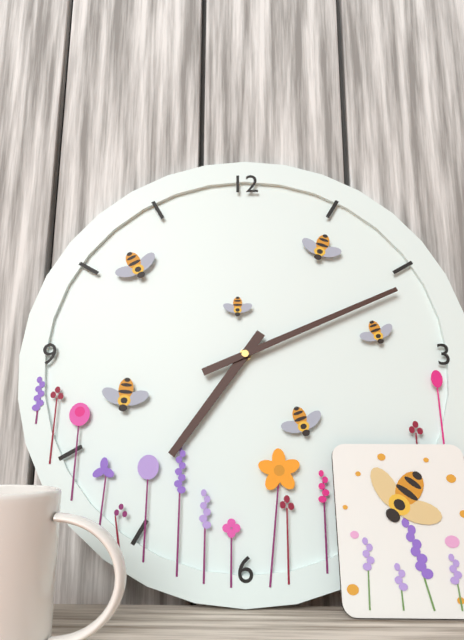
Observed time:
h=7 m=11
